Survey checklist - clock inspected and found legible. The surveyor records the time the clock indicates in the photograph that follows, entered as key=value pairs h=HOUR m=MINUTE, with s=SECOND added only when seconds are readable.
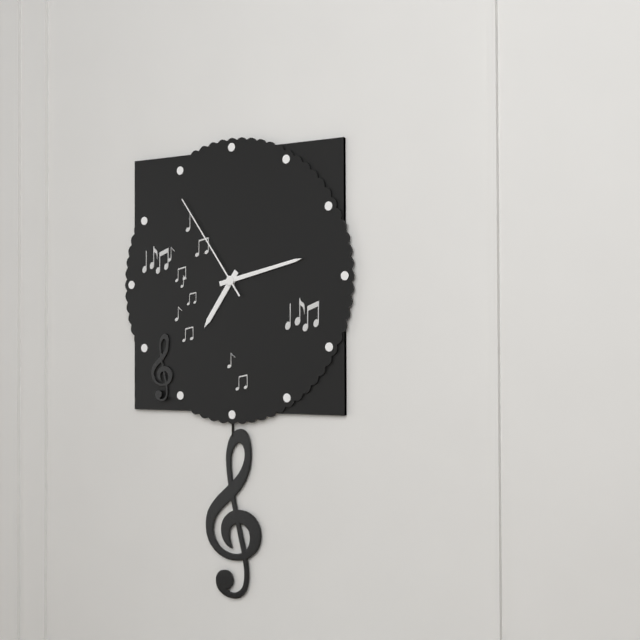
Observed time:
h=7 m=13 s=54
